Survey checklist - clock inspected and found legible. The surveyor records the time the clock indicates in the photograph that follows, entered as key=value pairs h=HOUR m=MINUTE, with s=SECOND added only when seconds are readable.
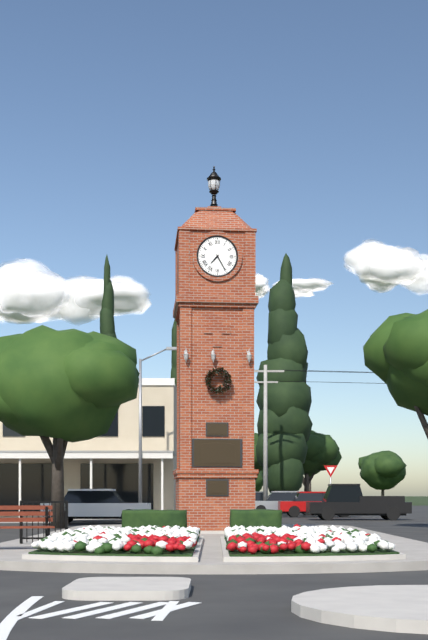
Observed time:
h=7 m=25
